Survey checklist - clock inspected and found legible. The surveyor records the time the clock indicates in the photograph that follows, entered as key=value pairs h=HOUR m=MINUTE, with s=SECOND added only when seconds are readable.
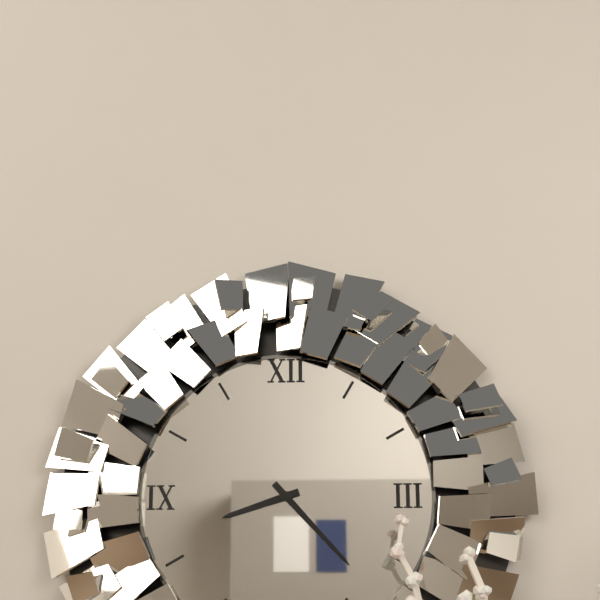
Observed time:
h=8 m=23
